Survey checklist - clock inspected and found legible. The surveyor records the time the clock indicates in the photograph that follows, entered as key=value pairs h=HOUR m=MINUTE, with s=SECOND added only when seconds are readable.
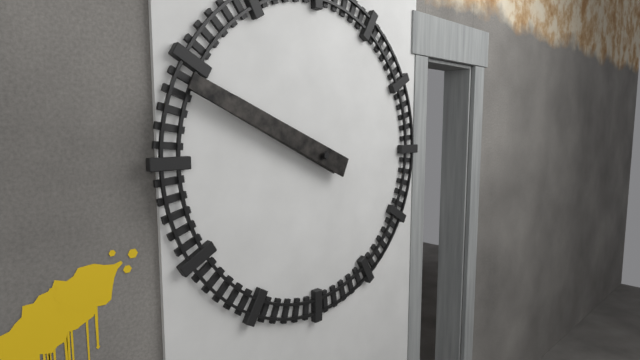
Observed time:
h=9 m=49
